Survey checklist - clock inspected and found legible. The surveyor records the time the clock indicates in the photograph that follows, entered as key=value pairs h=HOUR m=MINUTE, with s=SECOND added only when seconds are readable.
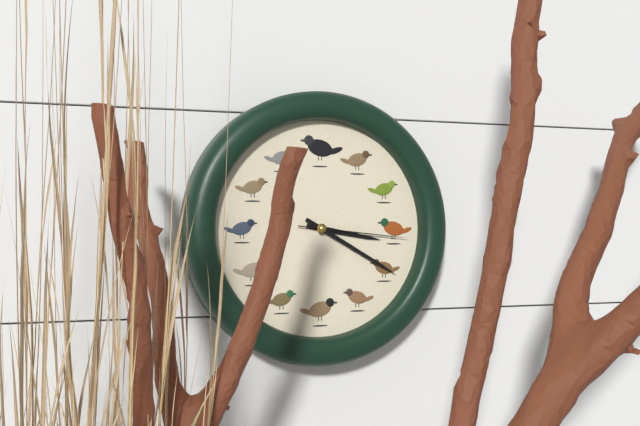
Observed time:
h=3 m=20 s=16
